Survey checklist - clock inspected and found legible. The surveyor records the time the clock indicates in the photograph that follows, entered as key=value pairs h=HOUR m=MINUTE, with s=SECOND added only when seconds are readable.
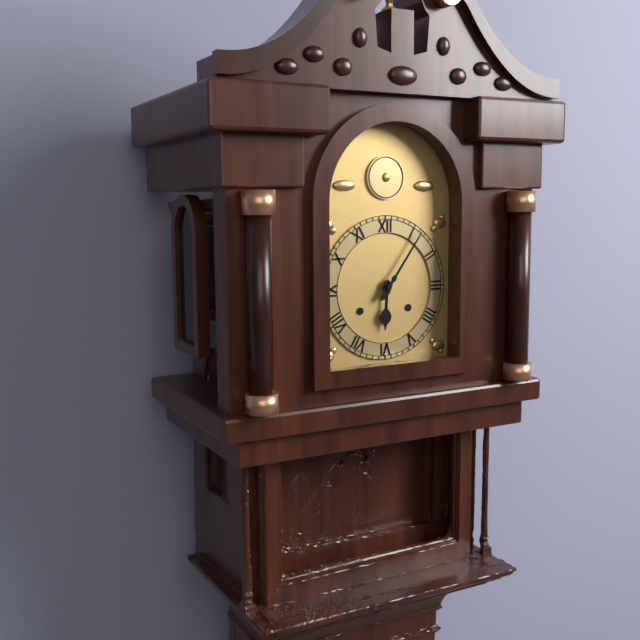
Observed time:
h=6 m=6
